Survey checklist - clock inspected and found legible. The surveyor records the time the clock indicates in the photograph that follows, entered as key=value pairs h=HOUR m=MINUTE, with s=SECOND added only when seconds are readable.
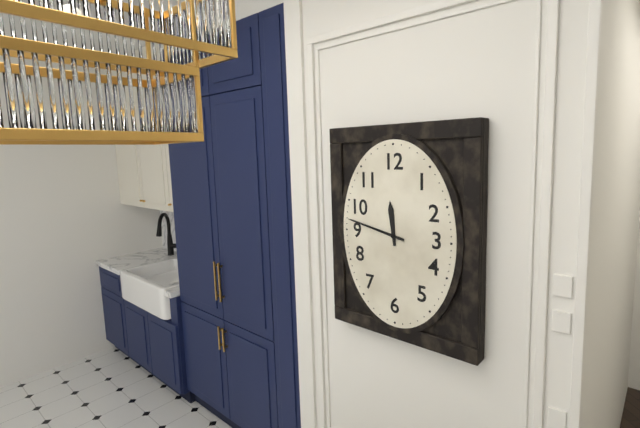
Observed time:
h=11 m=47
